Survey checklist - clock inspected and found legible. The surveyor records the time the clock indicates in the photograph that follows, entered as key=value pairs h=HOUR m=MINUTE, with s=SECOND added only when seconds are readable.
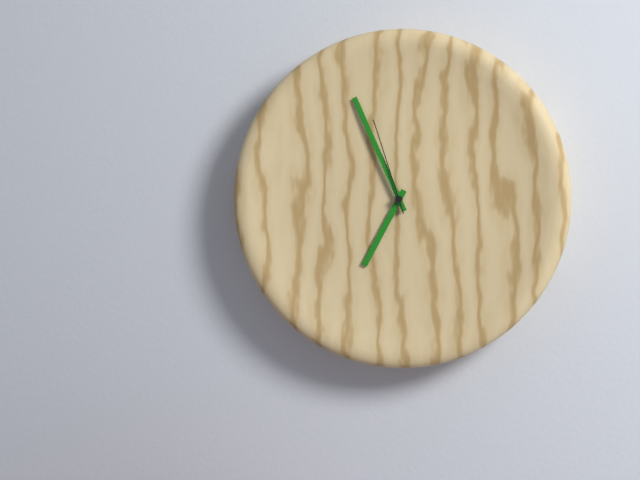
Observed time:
h=6 m=56 s=57
